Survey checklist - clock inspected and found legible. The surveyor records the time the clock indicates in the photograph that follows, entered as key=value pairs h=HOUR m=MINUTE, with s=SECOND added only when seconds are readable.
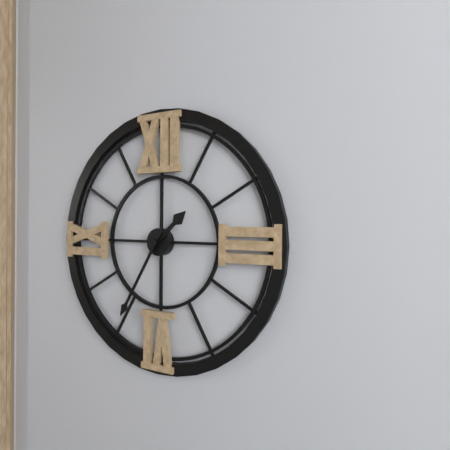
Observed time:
h=1 m=35
